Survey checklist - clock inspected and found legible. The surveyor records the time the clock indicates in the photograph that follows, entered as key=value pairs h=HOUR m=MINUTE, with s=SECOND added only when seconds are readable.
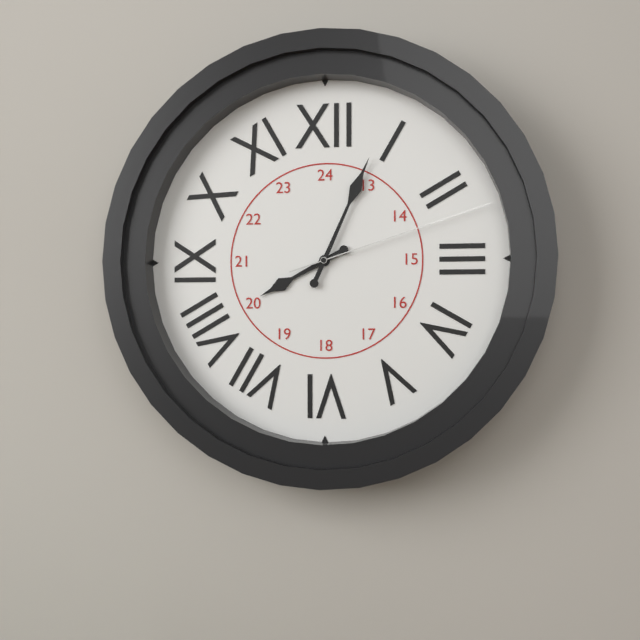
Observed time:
h=8 m=4 s=12
